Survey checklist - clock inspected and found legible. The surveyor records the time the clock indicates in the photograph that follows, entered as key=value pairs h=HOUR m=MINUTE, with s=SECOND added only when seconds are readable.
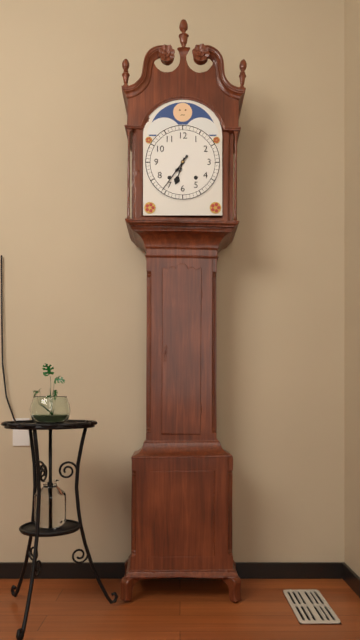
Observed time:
h=6 m=36
